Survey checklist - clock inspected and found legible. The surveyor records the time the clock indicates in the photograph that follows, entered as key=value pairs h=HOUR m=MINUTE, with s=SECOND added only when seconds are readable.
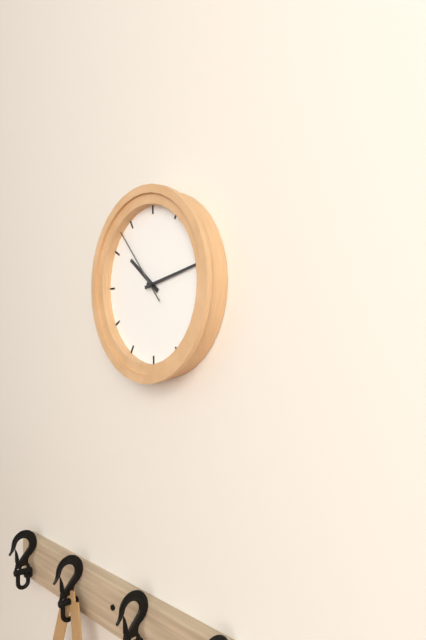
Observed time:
h=10 m=13 s=53
